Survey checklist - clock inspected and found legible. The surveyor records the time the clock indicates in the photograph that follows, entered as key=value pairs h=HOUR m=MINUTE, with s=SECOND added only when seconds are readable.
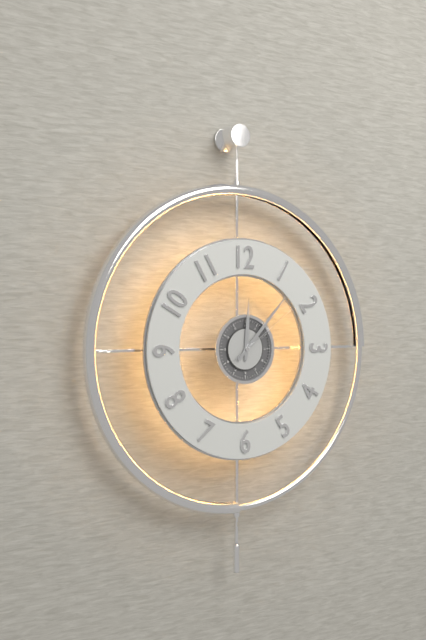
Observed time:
h=12 m=7 s=9
